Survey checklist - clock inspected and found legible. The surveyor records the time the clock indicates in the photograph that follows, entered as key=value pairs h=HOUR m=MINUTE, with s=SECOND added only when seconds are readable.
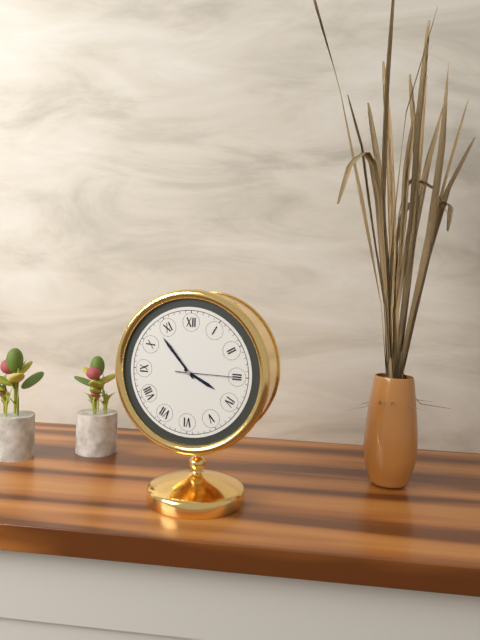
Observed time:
h=3 m=53 s=15
